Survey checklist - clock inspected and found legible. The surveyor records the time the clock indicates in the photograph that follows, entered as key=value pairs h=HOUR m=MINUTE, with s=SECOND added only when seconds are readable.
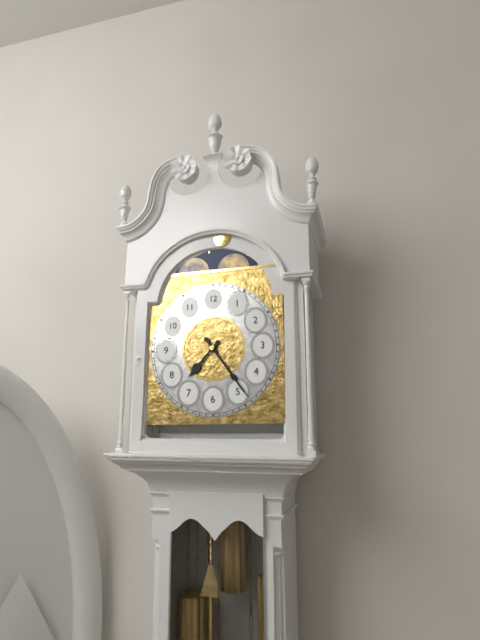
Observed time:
h=7 m=24
